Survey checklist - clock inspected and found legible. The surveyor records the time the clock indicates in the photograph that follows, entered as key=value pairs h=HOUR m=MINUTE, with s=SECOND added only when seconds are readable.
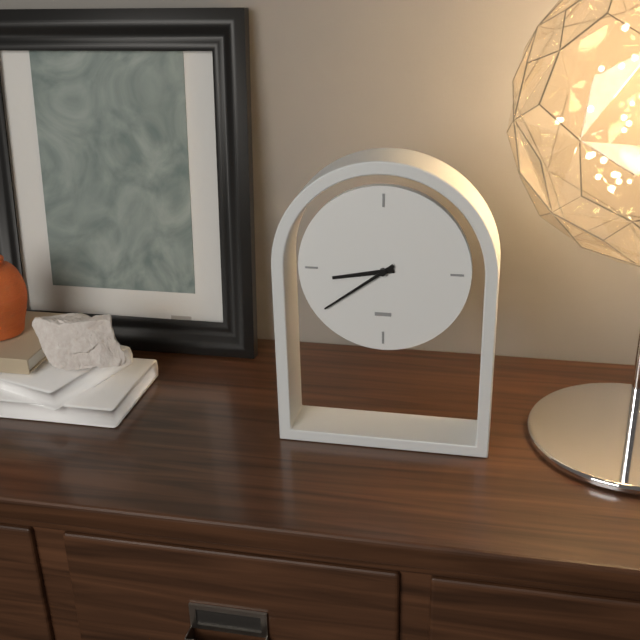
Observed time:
h=8 m=39
